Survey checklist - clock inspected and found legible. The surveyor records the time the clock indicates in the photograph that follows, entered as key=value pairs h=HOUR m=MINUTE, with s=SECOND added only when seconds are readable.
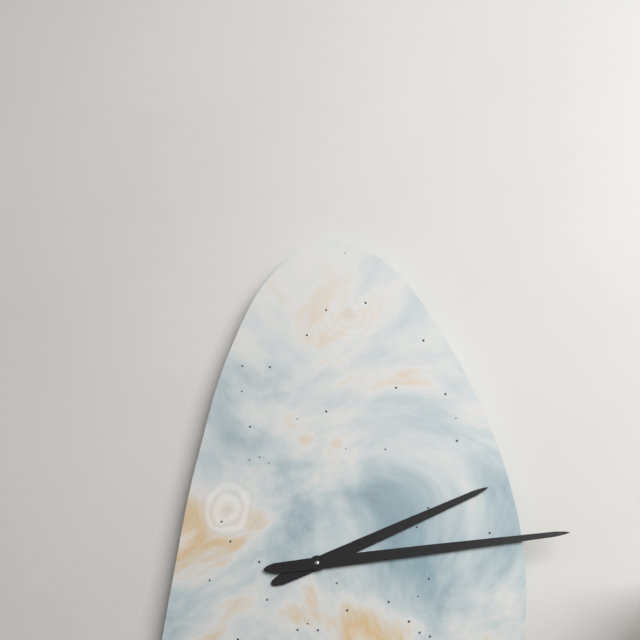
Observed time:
h=2 m=14
